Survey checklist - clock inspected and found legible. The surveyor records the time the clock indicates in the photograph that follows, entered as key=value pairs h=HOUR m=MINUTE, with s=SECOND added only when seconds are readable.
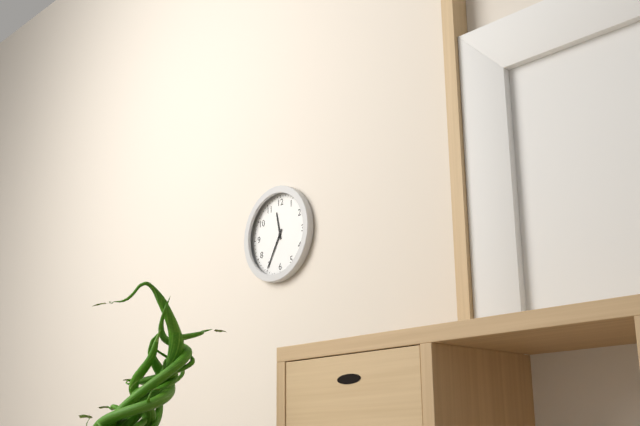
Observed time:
h=11 m=35
